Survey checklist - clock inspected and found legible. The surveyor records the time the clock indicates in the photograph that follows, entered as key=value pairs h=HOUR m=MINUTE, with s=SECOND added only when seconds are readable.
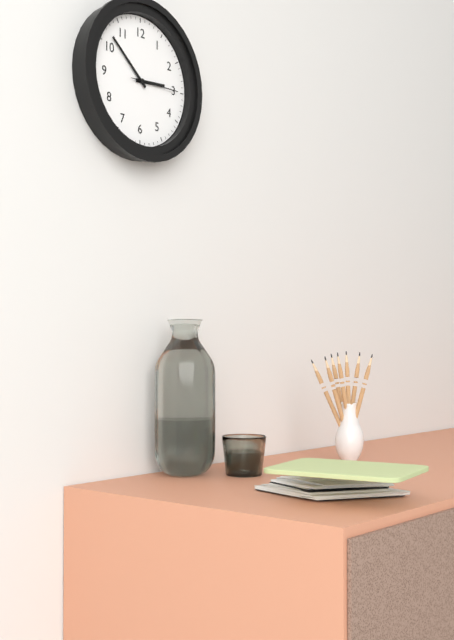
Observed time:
h=2 m=52
